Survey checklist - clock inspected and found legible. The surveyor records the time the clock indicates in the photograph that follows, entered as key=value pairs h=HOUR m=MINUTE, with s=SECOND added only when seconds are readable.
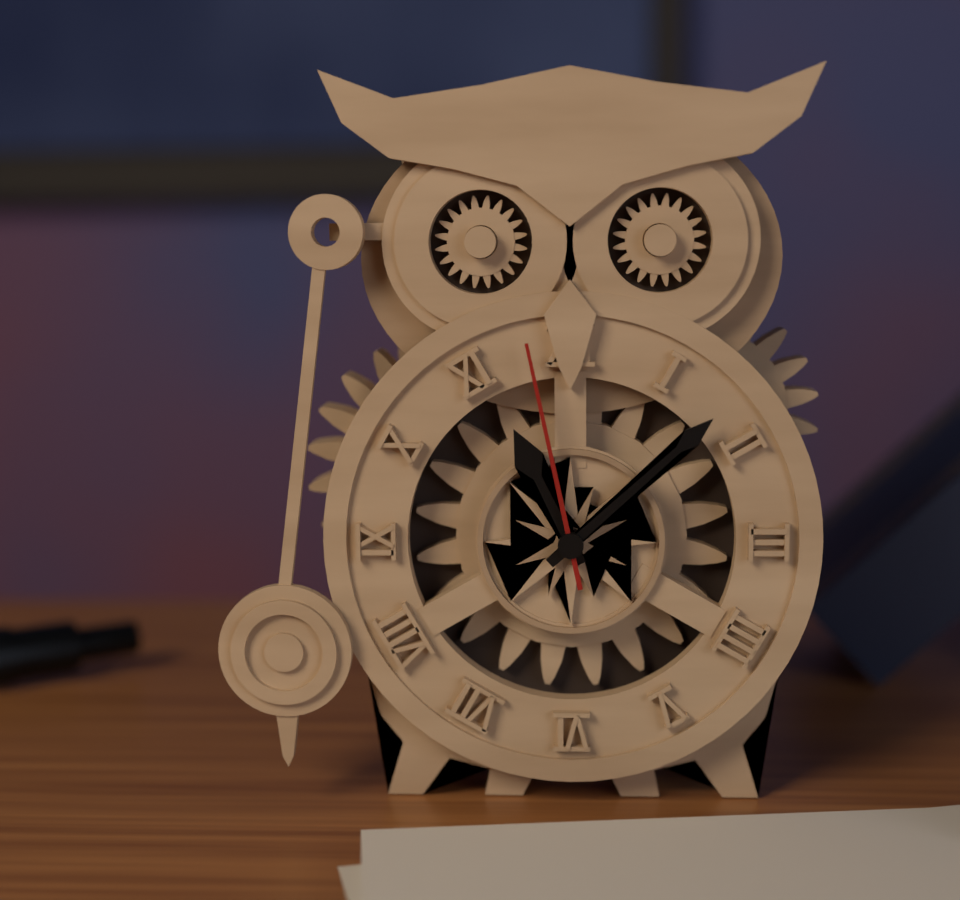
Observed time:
h=11 m=8 s=58
